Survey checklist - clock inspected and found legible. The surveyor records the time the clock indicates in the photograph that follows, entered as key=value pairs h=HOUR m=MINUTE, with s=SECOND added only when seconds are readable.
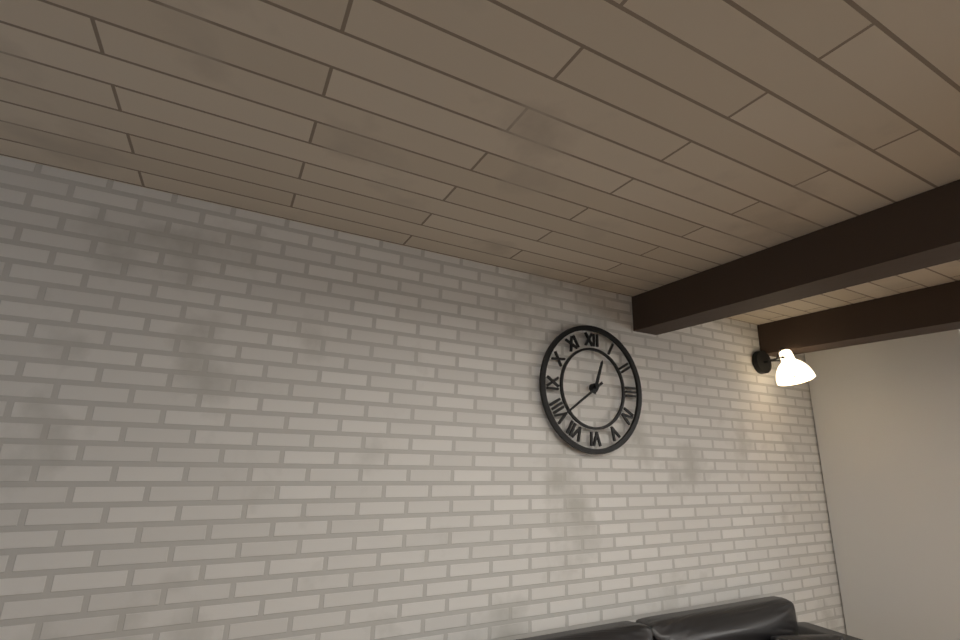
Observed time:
h=12 m=39
